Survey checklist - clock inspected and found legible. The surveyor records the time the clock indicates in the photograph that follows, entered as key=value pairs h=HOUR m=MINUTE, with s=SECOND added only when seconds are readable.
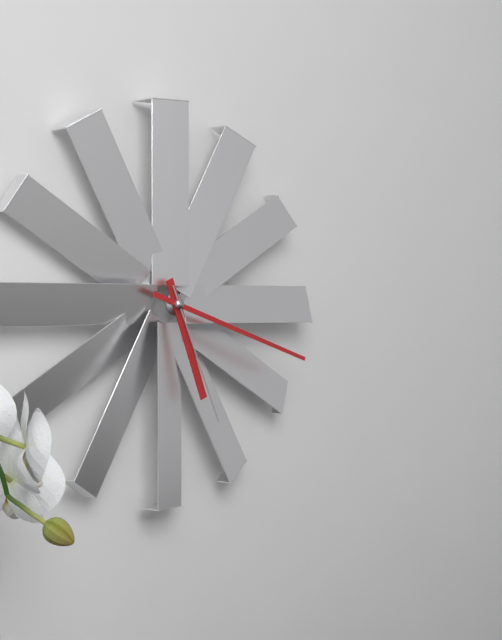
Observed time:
h=5 m=18 s=26
